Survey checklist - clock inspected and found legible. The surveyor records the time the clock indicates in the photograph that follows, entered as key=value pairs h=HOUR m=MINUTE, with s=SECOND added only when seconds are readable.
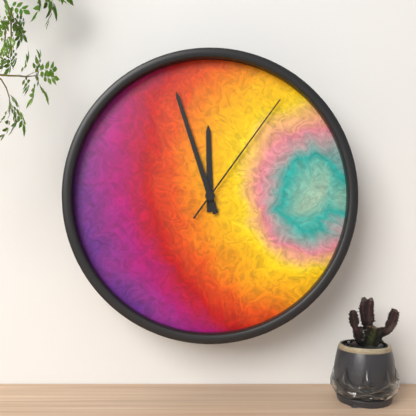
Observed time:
h=11 m=57 s=6
